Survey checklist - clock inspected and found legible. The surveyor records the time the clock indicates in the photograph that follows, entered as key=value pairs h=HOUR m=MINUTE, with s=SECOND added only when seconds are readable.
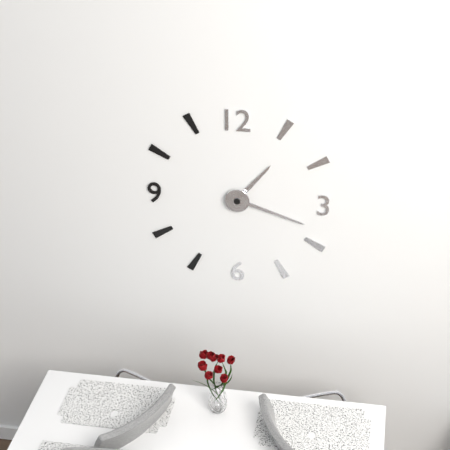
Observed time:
h=1 m=18
